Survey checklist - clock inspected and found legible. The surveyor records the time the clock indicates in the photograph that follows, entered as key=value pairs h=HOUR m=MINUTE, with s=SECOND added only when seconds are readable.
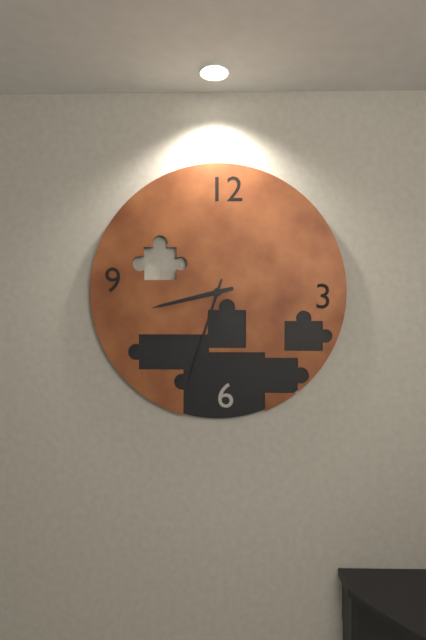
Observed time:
h=8 m=33
